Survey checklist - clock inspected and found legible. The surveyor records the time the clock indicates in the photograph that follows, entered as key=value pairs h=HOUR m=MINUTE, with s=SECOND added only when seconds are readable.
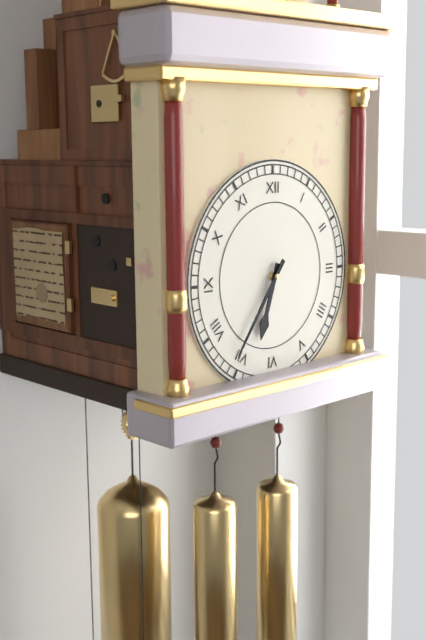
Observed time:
h=6 m=36
